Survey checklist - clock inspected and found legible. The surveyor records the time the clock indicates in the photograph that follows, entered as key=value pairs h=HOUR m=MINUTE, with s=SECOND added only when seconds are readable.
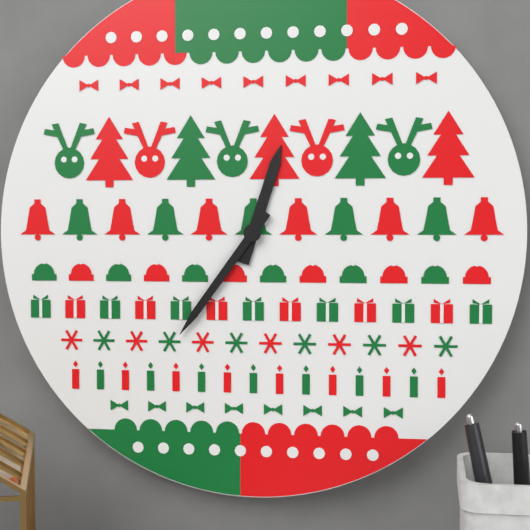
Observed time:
h=12 m=36
